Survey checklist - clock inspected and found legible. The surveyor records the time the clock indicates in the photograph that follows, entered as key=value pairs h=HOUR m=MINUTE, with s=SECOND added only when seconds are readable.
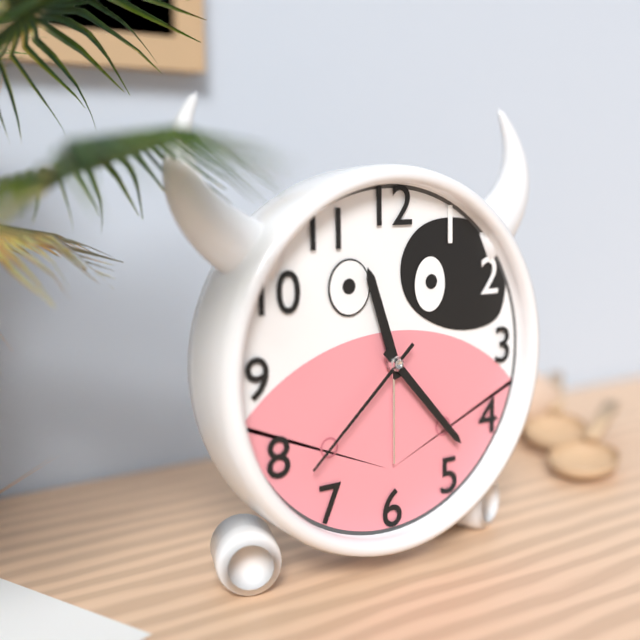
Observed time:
h=11 m=23 s=38
